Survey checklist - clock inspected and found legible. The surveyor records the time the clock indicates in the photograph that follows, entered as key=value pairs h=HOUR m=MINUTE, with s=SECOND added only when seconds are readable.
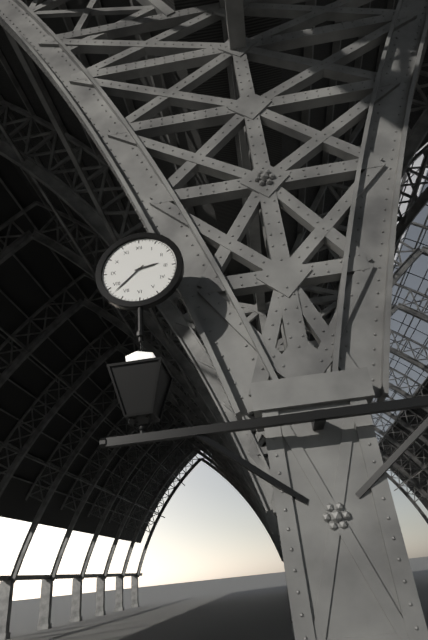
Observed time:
h=2 m=38
